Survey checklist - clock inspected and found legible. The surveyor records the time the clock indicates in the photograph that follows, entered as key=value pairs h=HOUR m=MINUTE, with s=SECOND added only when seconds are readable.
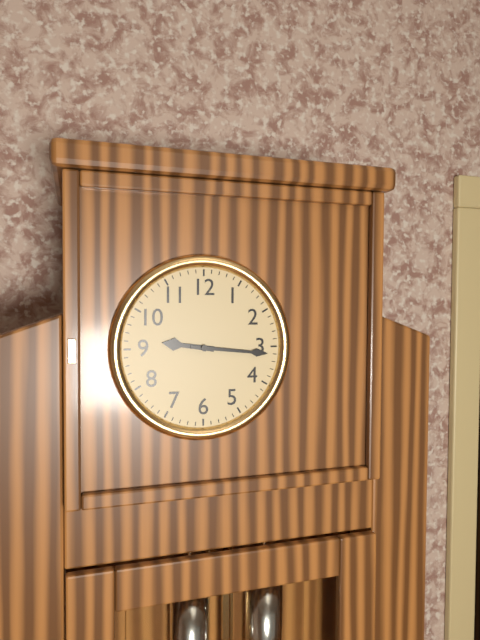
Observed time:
h=9 m=16
